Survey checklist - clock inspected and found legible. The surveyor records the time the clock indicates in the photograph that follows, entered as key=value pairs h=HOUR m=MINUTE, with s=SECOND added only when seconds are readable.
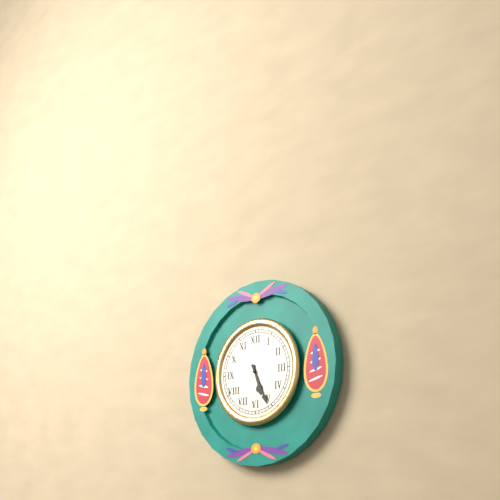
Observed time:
h=5 m=26
